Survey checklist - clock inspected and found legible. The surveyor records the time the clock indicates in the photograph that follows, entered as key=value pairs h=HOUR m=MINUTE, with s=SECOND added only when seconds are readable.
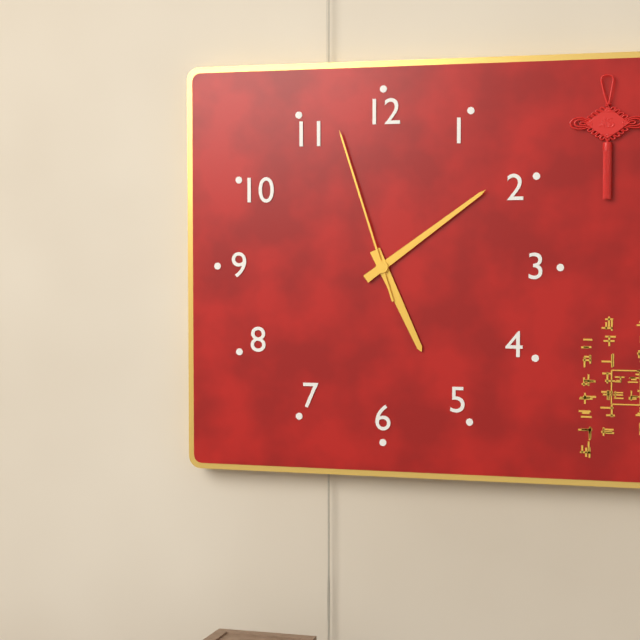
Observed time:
h=5 m=9 s=57
